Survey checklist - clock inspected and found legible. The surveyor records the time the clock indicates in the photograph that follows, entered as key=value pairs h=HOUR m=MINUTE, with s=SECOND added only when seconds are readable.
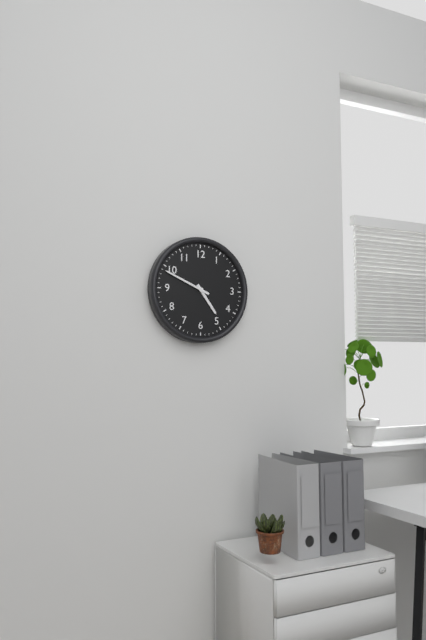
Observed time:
h=4 m=49
